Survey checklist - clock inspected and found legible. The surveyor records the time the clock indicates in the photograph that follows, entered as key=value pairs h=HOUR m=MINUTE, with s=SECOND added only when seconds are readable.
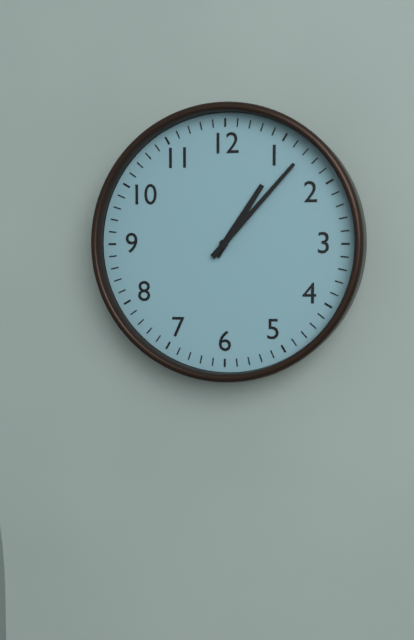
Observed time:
h=1 m=7
